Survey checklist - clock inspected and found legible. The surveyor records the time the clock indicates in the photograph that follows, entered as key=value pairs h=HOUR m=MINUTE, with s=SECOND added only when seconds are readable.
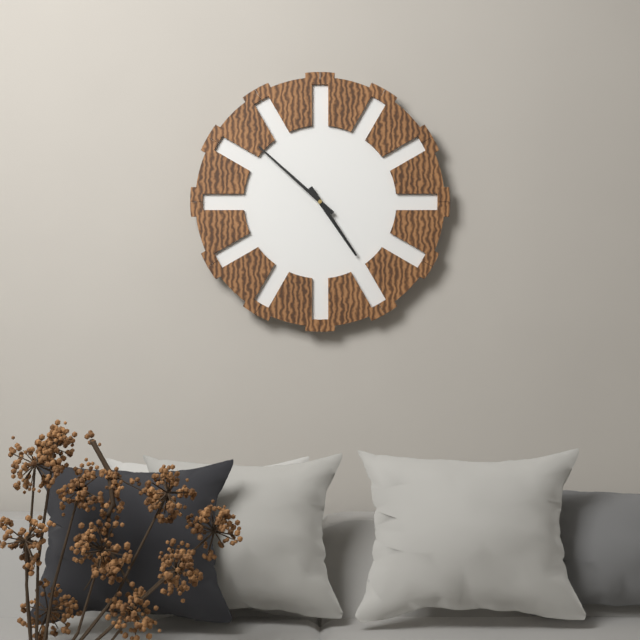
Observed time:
h=4 m=52
